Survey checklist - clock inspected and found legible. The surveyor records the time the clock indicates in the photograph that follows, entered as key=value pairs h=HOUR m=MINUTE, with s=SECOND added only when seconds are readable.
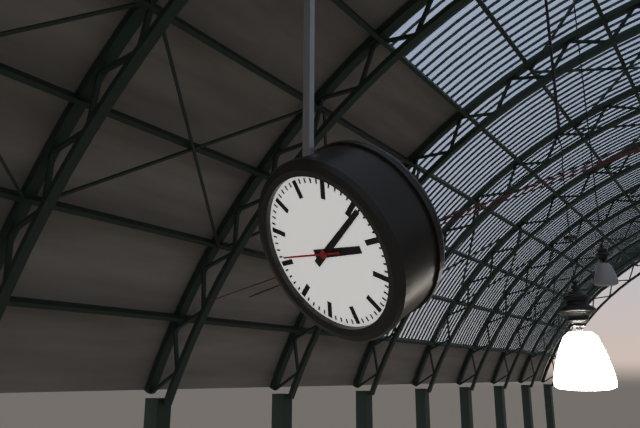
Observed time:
h=3 m=11 s=46
